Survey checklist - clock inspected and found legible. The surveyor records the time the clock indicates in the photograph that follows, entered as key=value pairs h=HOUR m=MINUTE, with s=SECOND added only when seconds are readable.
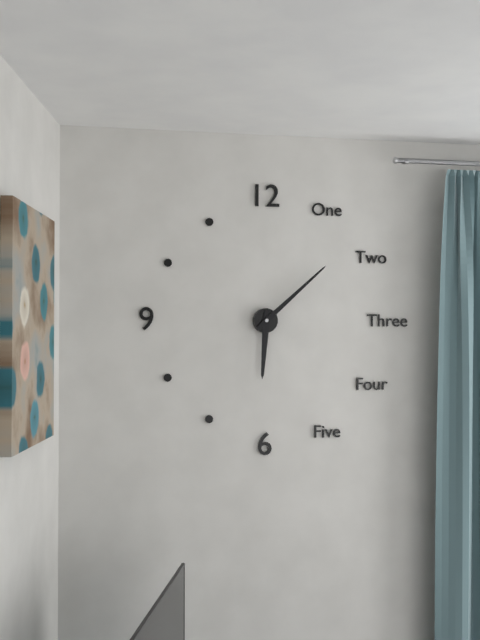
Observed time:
h=6 m=8
